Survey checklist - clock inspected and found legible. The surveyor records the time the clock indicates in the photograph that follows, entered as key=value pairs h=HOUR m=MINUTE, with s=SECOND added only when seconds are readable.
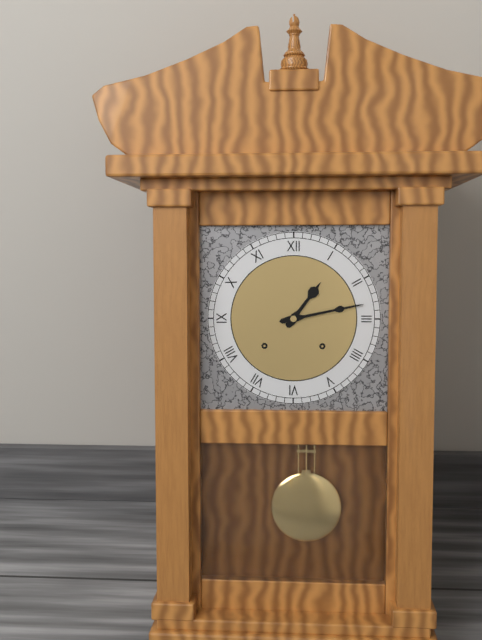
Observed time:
h=1 m=13
